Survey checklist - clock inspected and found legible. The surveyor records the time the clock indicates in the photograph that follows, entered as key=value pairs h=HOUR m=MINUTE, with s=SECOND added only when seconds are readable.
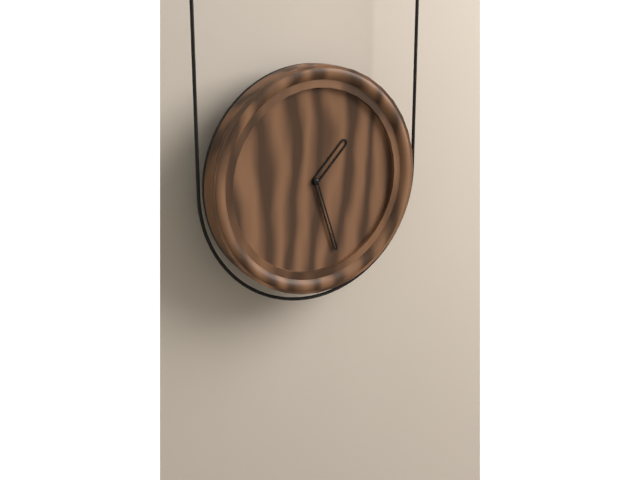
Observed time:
h=1 m=27
